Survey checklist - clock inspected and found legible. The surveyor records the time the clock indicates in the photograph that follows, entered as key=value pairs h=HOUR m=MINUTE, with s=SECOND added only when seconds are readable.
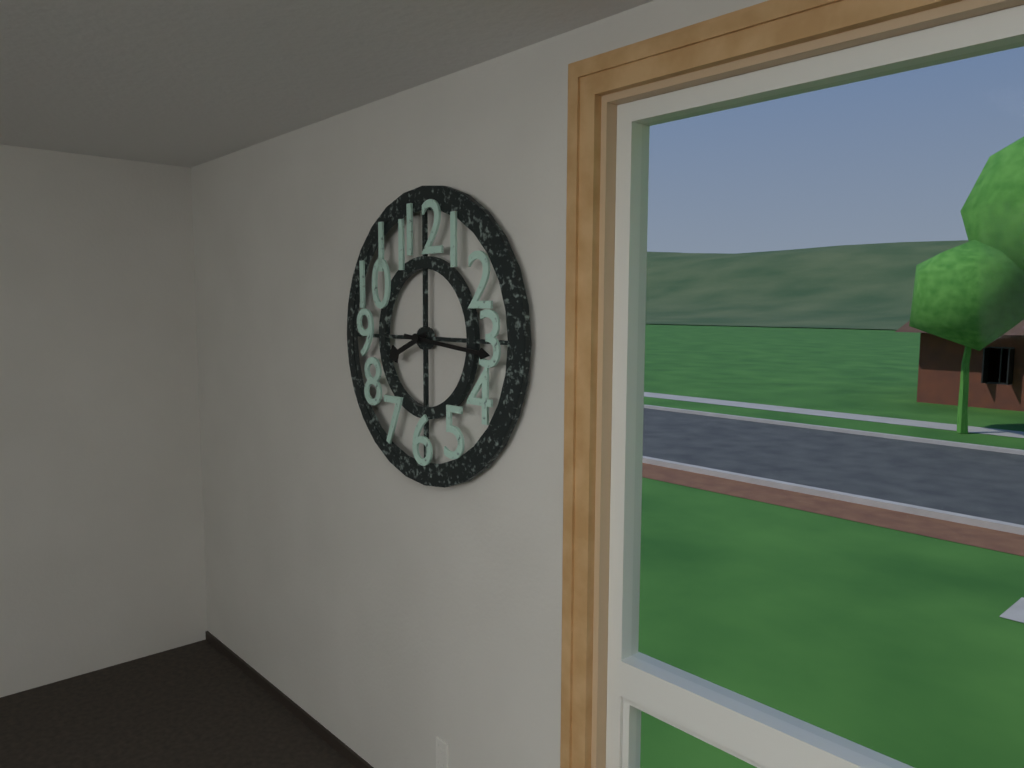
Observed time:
h=8 m=16
